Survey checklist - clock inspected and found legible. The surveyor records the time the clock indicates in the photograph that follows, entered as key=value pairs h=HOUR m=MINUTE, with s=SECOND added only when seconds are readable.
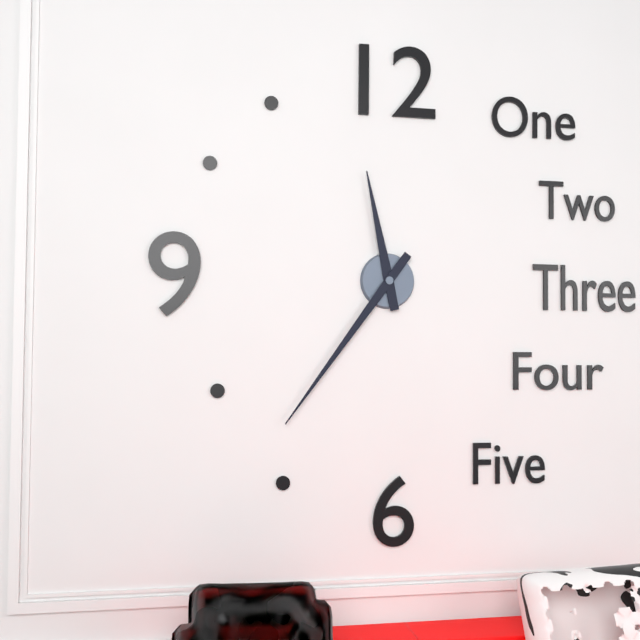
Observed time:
h=11 m=36
